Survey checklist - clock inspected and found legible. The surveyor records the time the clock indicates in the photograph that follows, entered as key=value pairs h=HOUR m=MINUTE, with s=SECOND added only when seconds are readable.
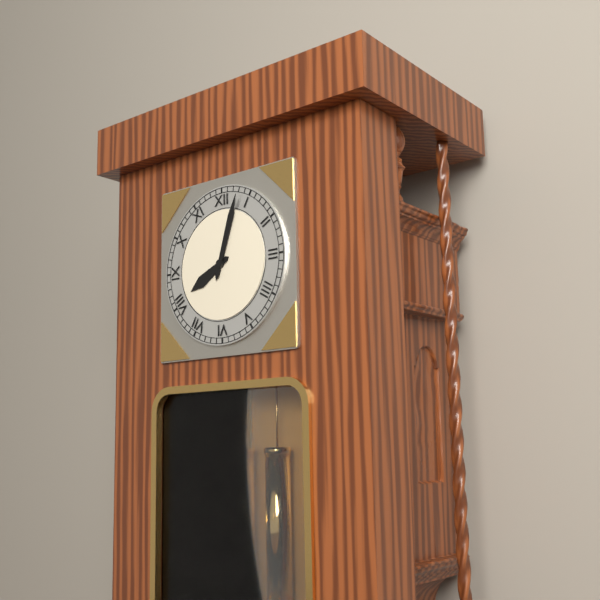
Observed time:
h=8 m=3
